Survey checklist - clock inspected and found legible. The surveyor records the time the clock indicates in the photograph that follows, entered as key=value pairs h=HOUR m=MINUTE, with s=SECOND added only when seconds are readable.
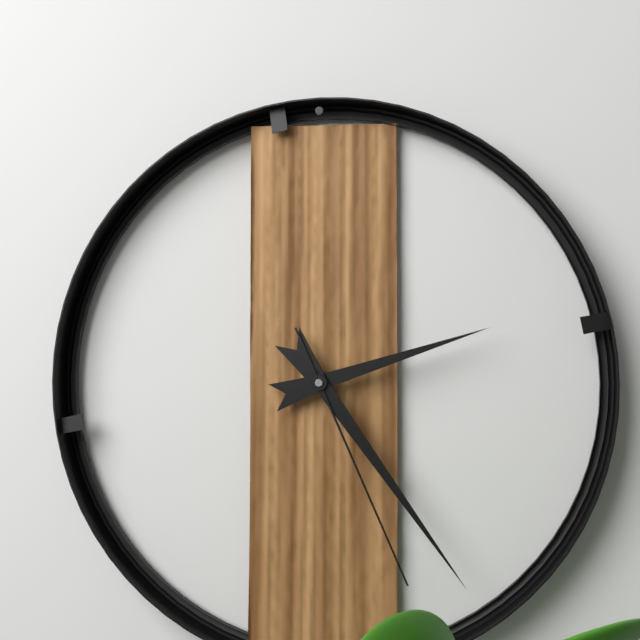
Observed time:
h=2 m=24 s=26
